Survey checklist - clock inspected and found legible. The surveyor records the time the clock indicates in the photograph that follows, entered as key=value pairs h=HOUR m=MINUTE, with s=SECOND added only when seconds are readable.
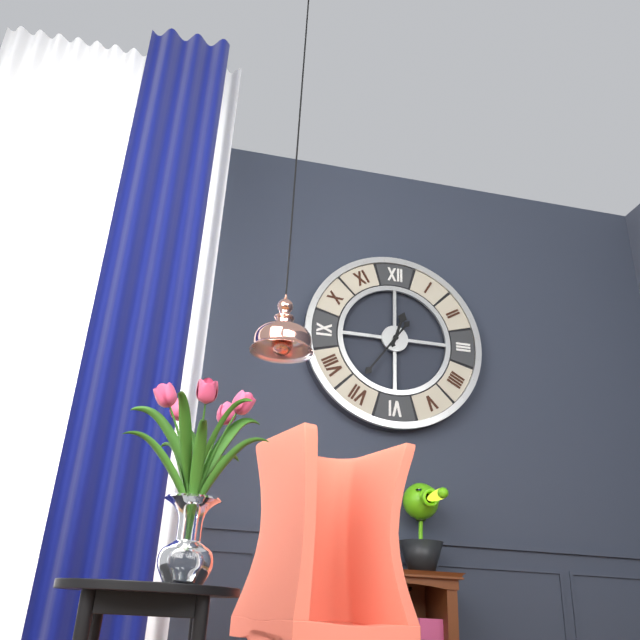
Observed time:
h=12 m=36
